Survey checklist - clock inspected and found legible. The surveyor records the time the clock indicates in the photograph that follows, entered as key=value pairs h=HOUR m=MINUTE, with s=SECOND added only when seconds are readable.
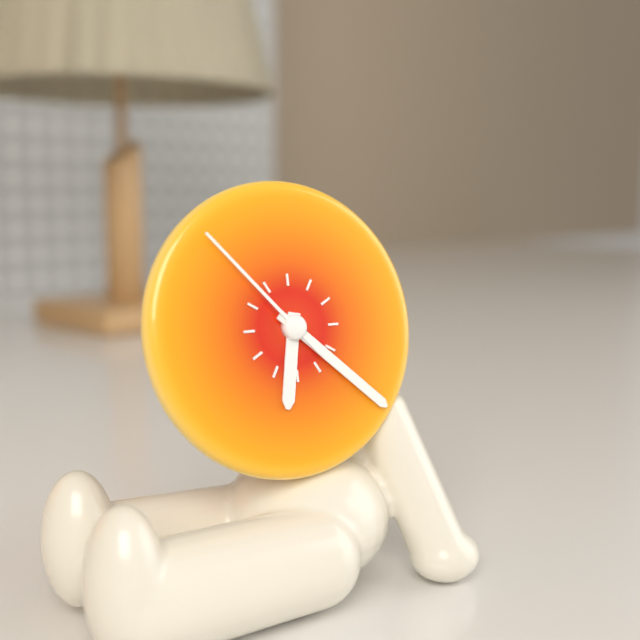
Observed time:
h=6 m=22 s=53
